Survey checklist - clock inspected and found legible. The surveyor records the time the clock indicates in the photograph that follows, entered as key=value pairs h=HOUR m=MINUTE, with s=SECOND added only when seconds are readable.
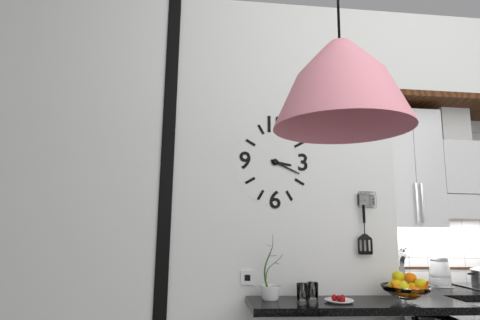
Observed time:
h=3 m=19
